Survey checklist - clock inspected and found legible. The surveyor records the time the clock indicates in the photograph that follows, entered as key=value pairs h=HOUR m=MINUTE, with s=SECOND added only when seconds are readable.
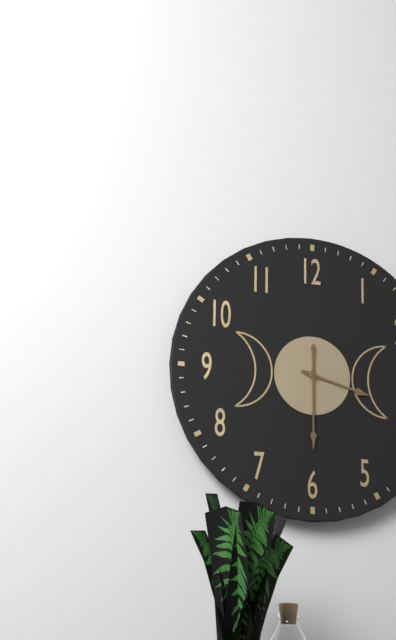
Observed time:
h=3 m=30
